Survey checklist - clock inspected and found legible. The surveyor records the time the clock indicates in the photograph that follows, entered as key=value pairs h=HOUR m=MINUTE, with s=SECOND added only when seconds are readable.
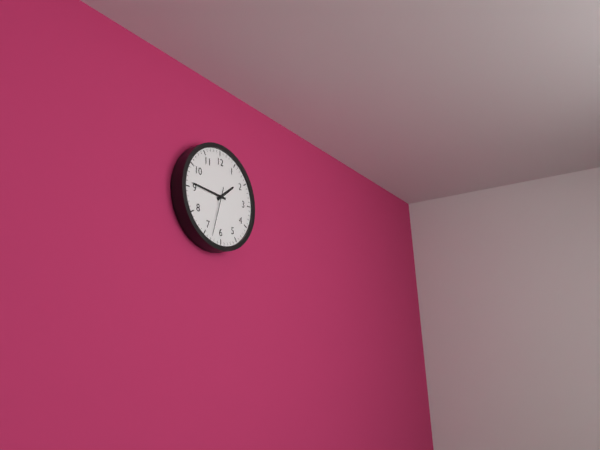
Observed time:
h=1 m=46 s=33
